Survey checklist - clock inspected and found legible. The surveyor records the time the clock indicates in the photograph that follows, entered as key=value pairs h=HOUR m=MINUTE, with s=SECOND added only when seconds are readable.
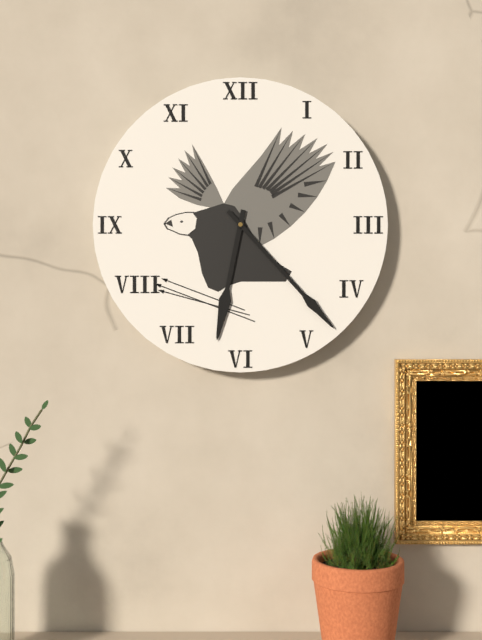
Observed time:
h=6 m=23
